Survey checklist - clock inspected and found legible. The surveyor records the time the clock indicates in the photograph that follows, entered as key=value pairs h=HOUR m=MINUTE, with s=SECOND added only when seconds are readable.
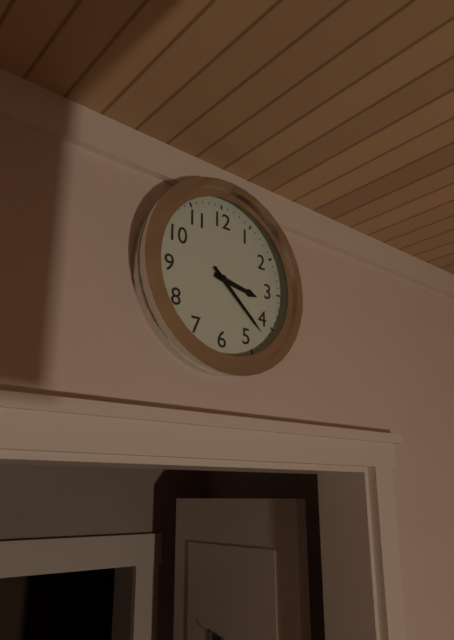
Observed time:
h=3 m=22
